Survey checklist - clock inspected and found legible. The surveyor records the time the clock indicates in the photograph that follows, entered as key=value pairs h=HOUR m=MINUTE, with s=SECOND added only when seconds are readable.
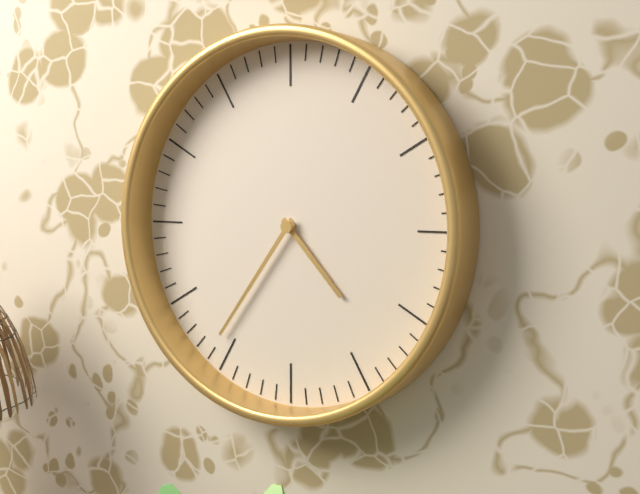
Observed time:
h=4 m=36
